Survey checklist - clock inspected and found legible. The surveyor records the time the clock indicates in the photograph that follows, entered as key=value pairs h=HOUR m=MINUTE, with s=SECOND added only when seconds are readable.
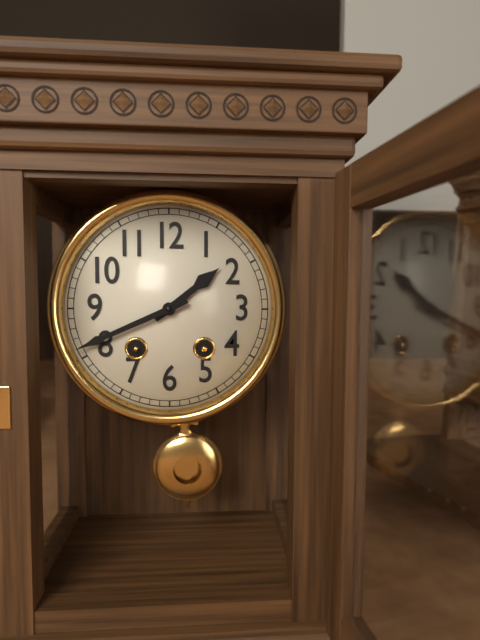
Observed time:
h=1 m=41
